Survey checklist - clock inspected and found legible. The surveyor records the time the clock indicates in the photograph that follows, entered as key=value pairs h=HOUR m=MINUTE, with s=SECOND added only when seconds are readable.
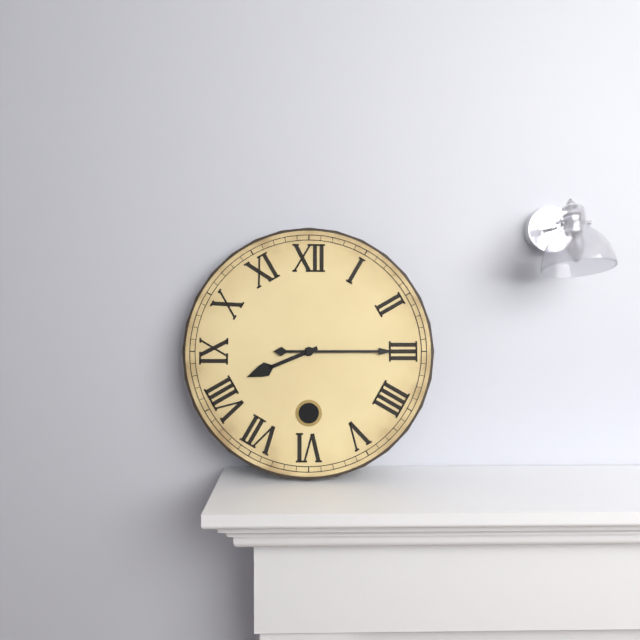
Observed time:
h=8 m=15
